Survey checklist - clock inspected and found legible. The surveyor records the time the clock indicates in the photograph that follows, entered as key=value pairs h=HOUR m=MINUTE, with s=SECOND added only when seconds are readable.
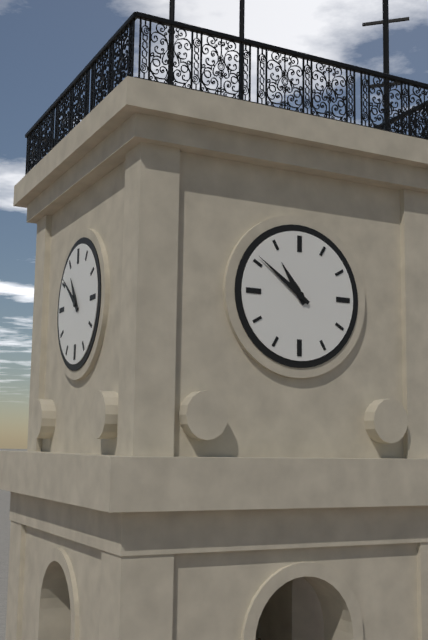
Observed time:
h=10 m=51
